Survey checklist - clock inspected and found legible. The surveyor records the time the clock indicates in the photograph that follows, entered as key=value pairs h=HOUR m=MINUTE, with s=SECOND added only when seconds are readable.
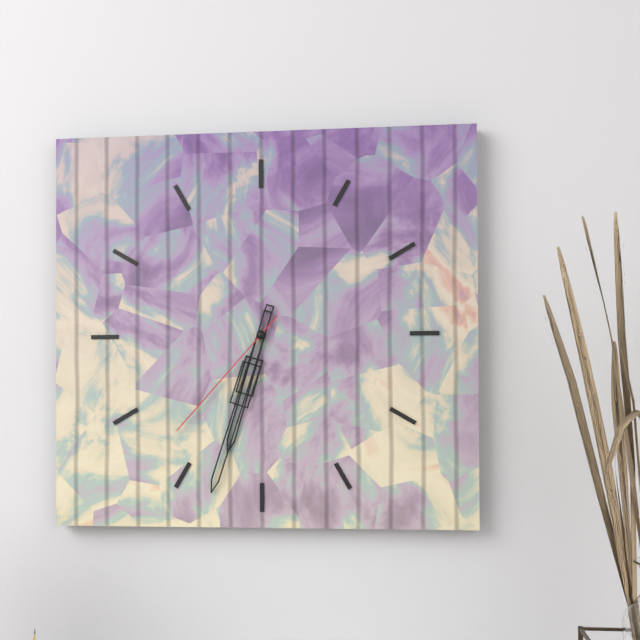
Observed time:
h=6 m=33 s=37
